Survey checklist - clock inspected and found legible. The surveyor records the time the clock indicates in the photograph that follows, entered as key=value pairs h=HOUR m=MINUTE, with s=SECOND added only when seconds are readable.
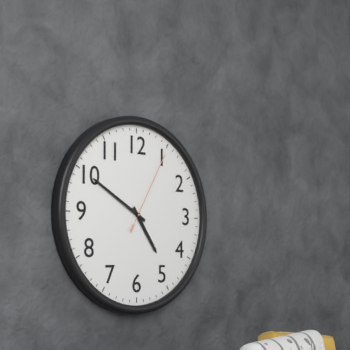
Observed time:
h=4 m=50 s=5
